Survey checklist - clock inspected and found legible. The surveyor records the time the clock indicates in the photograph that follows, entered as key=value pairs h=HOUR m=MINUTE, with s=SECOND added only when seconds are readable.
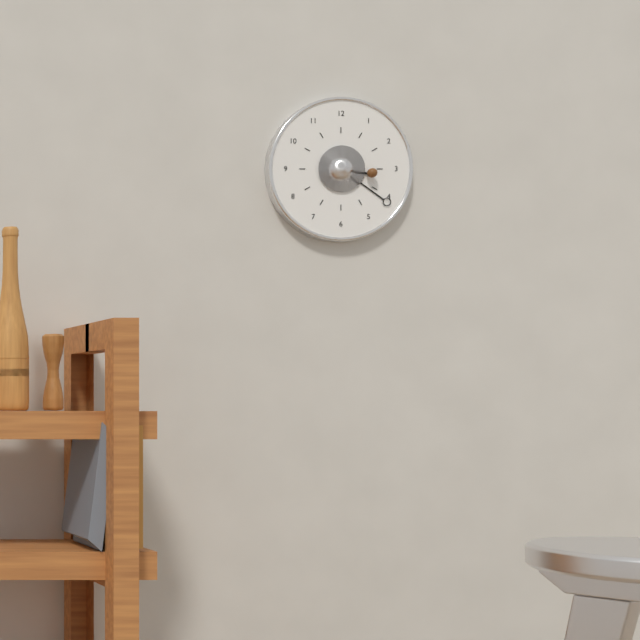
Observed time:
h=3 m=21
